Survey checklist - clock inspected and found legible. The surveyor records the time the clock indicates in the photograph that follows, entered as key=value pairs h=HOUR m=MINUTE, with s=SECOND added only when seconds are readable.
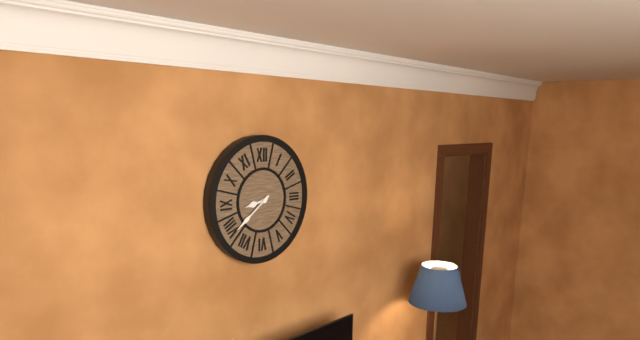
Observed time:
h=8 m=39
